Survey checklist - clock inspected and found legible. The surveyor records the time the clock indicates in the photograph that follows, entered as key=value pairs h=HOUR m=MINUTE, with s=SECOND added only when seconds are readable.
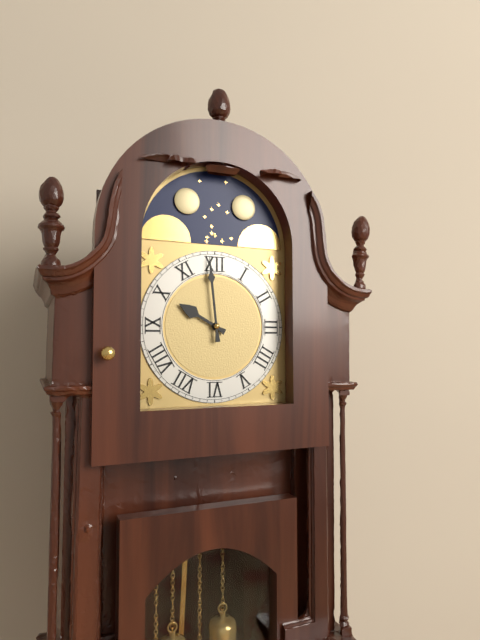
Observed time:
h=9 m=59
